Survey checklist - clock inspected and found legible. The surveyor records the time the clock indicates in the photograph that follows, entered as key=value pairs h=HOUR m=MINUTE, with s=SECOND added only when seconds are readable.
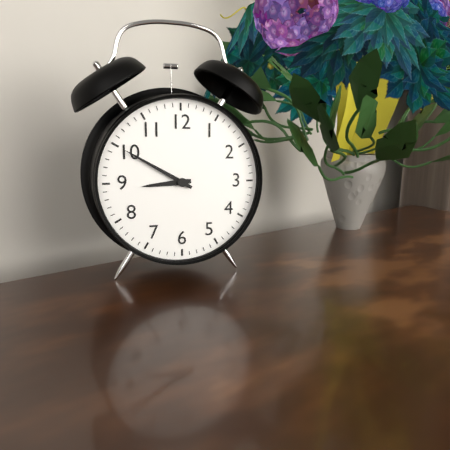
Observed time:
h=8 m=50
